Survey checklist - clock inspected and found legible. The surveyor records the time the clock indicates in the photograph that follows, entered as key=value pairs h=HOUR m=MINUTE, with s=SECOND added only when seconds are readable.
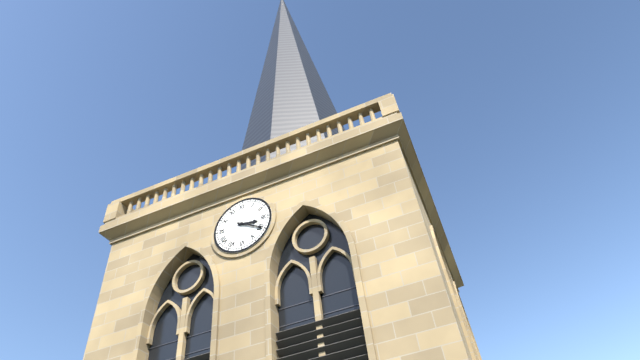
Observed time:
h=3 m=20
